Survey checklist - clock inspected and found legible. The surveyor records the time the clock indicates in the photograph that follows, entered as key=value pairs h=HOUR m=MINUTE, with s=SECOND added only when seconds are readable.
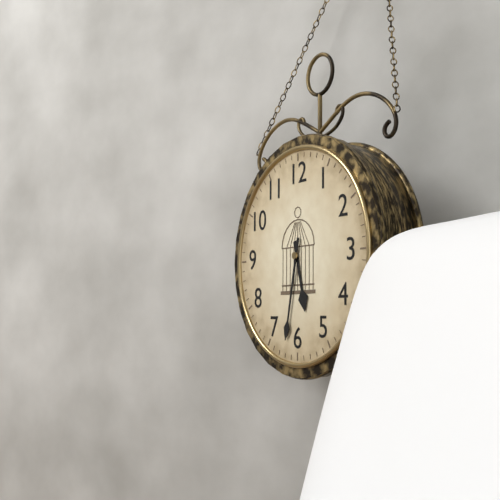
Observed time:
h=5 m=32
